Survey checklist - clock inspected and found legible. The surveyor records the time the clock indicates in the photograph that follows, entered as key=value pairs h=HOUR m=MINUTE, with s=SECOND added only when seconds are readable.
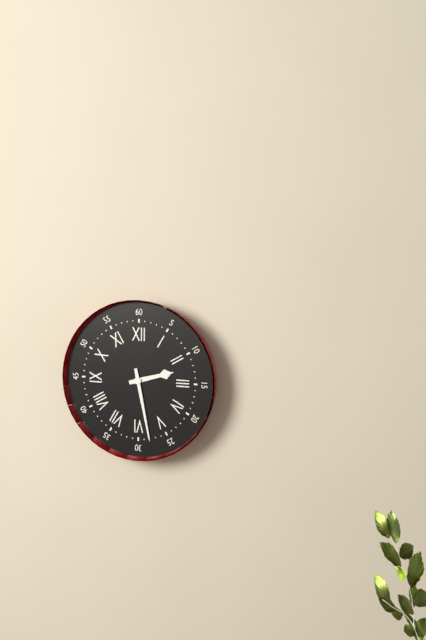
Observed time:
h=2 m=28
